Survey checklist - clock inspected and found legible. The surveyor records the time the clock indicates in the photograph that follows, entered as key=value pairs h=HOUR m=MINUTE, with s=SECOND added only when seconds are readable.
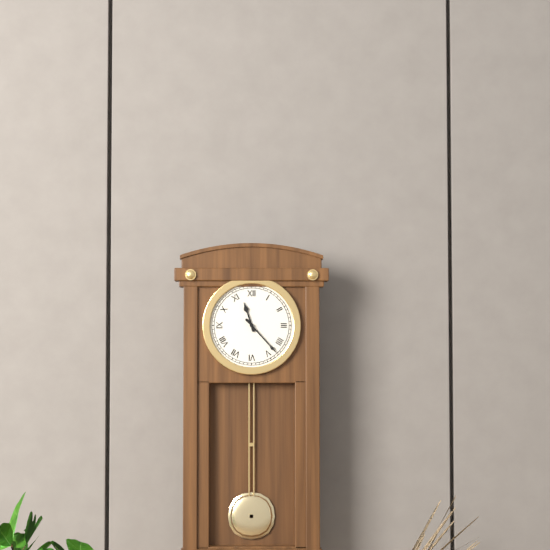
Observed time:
h=11 m=23
